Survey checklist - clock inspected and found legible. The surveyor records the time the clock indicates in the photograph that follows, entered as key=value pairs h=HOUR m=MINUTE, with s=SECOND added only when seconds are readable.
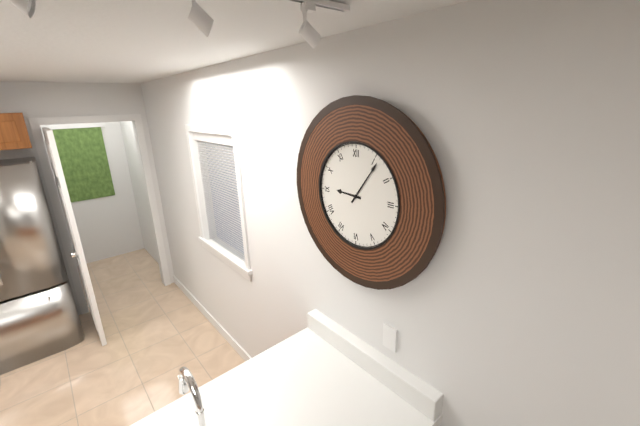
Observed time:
h=9 m=6
